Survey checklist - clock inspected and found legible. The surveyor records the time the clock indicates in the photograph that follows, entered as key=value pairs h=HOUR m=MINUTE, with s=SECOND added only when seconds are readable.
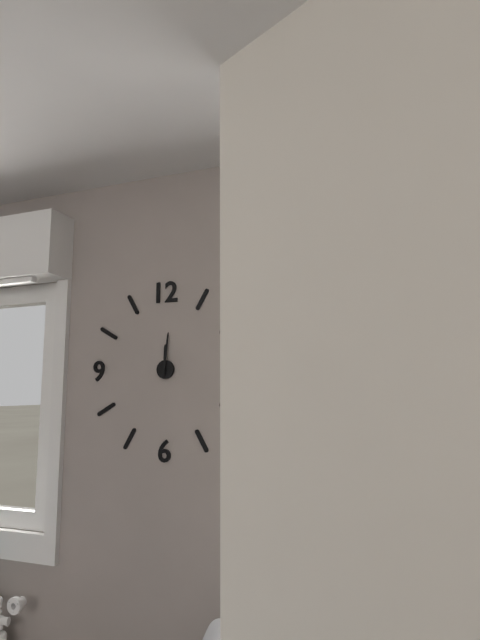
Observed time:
h=12 m=1
